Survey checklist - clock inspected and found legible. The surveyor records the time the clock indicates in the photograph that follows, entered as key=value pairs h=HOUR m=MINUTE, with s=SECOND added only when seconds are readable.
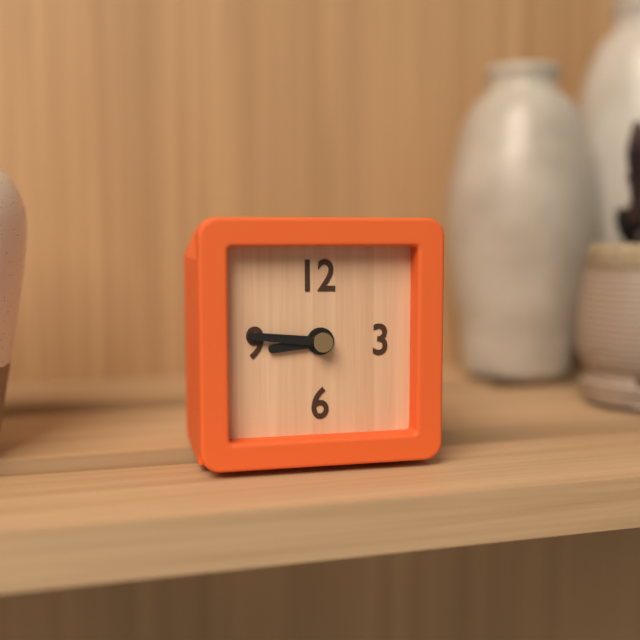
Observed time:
h=8 m=46
